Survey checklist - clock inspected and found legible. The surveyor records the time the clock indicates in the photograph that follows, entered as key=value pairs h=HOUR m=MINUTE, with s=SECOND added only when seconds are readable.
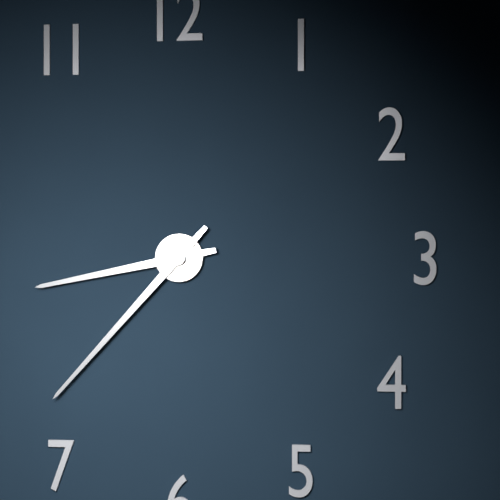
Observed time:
h=8 m=37
